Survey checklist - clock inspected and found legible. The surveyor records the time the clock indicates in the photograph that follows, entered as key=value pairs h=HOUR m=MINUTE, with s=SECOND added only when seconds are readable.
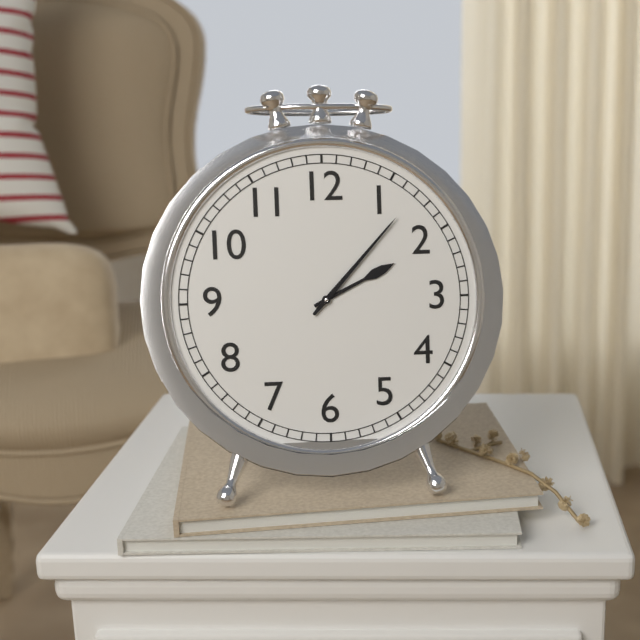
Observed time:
h=2 m=7
